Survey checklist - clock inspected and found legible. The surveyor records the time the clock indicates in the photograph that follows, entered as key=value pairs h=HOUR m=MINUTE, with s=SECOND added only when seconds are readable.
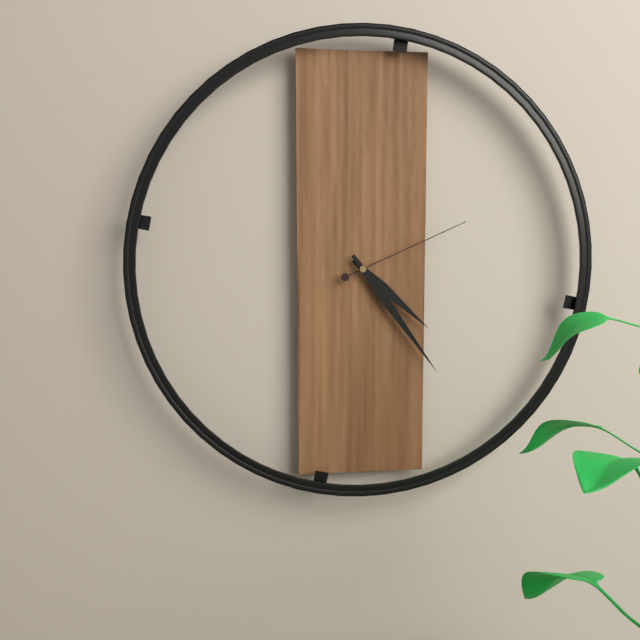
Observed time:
h=4 m=24 s=11
